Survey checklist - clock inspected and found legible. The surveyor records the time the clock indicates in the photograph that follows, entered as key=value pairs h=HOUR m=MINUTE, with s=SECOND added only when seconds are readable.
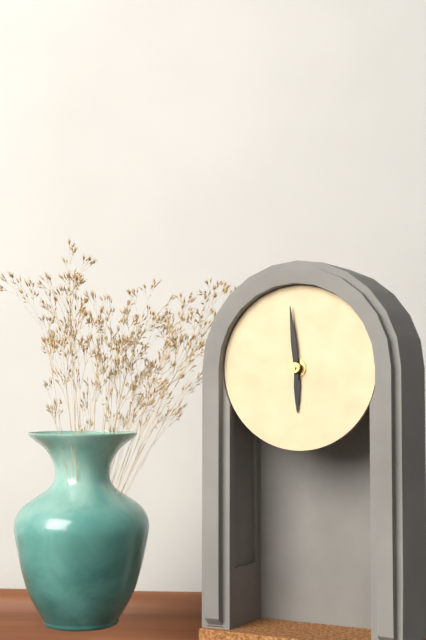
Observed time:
h=5 m=59
